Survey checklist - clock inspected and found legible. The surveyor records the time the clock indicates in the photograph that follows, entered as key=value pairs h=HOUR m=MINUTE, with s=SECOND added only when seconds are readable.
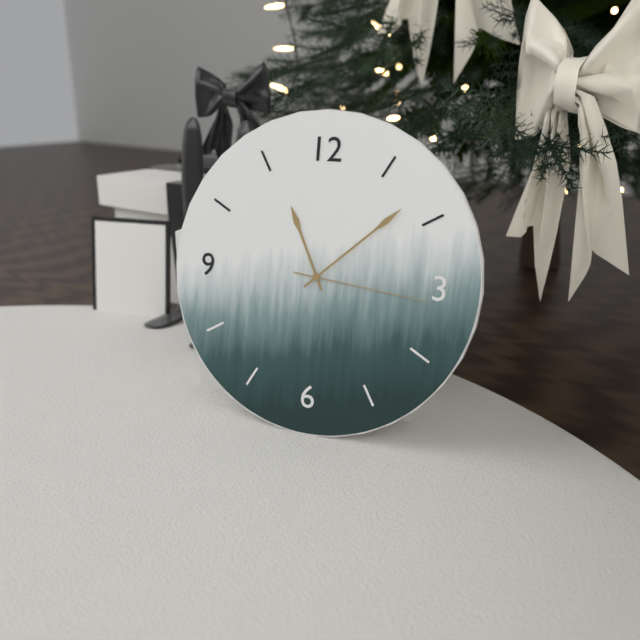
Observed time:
h=11 m=8 s=16
